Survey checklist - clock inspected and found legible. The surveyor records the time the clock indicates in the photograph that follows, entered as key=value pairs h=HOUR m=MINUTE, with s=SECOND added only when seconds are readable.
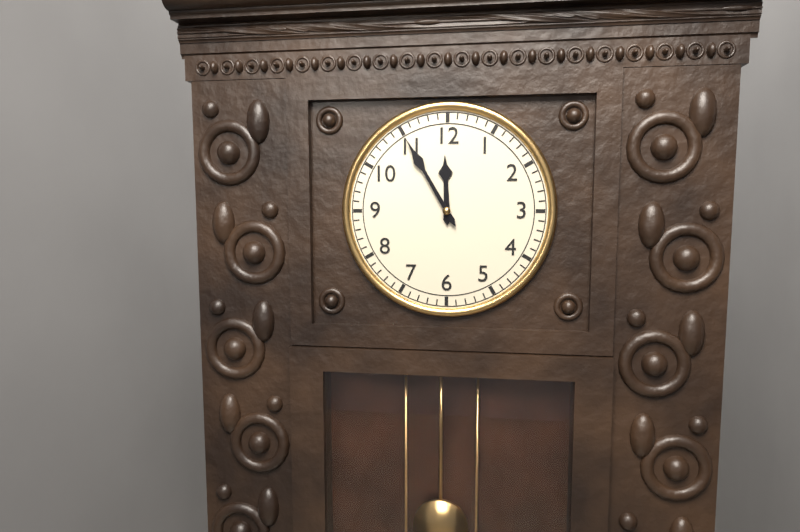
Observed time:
h=11 m=55
